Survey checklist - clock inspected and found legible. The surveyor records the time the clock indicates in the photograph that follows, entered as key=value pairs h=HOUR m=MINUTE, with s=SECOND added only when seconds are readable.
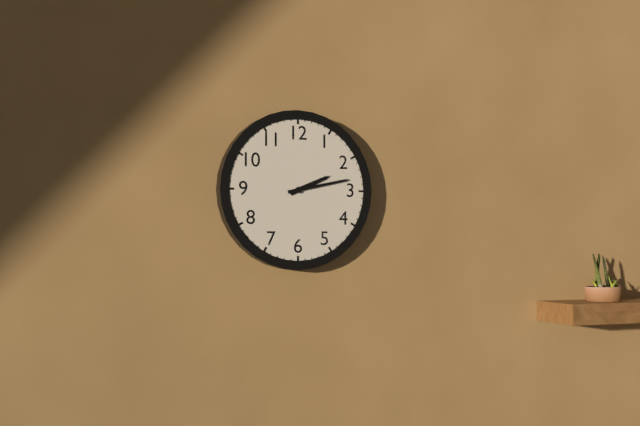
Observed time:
h=2 m=13
